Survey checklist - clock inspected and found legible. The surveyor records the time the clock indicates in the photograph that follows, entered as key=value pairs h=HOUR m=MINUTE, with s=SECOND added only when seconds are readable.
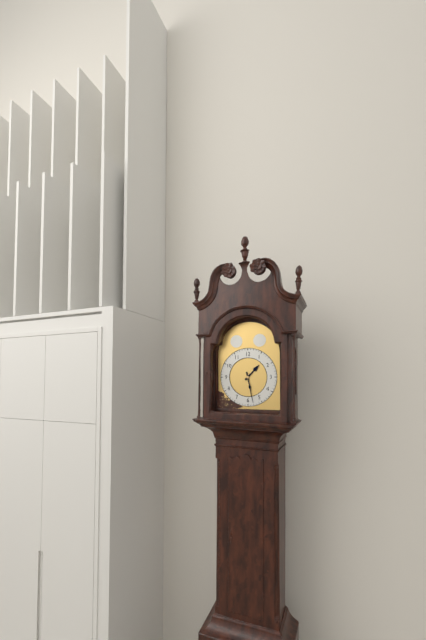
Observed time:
h=1 m=28
